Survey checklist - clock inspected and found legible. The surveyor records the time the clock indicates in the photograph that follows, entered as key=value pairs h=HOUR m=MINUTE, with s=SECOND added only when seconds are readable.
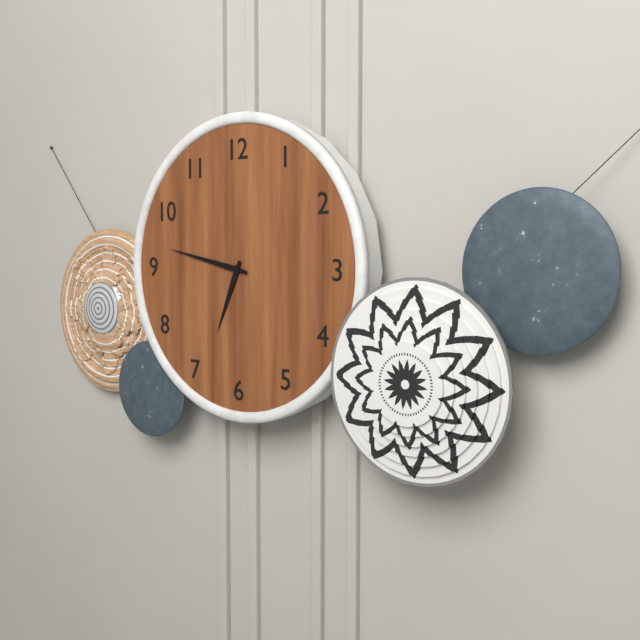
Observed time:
h=6 m=47
